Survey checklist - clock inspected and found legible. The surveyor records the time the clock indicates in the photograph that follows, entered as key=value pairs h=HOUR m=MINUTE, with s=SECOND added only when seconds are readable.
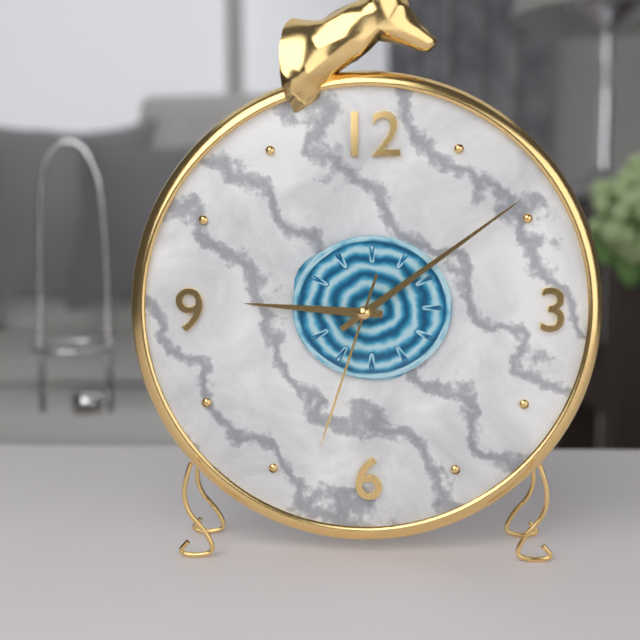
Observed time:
h=9 m=9 s=33
